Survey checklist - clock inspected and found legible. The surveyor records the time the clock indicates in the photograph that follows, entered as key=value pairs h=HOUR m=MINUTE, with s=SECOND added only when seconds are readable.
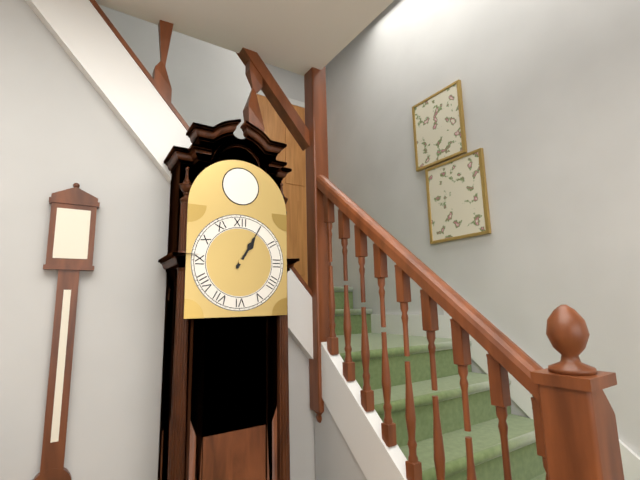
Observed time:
h=1 m=5
